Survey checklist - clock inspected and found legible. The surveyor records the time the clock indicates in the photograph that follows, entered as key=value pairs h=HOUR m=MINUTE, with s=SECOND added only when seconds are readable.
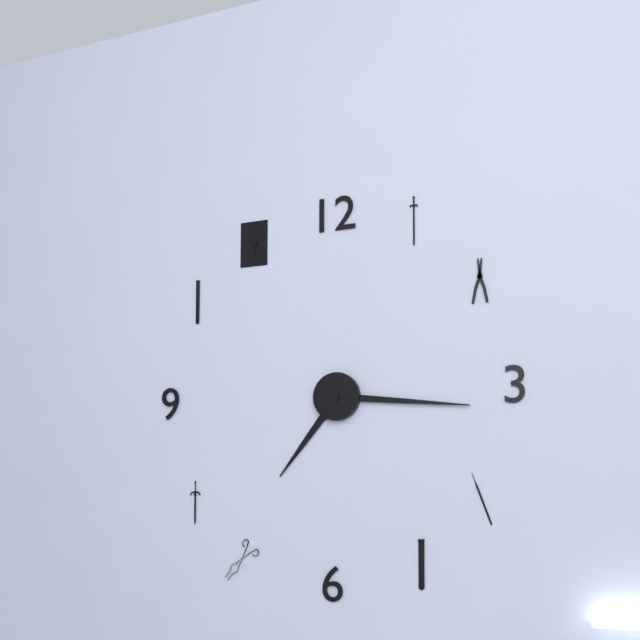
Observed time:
h=7 m=16
